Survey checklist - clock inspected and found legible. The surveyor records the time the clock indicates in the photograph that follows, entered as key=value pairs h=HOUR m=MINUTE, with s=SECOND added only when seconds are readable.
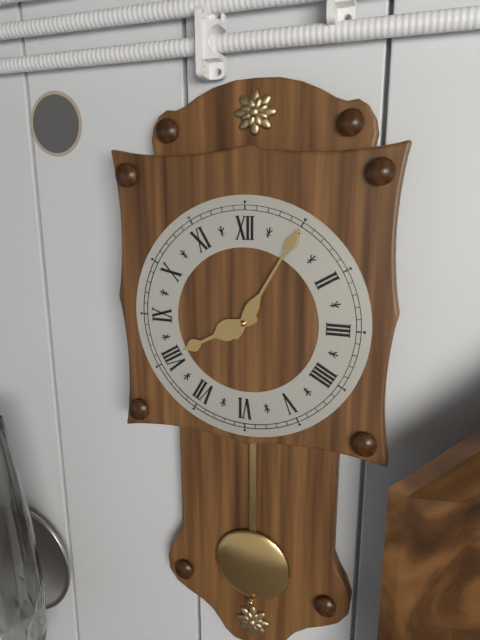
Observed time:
h=8 m=5
